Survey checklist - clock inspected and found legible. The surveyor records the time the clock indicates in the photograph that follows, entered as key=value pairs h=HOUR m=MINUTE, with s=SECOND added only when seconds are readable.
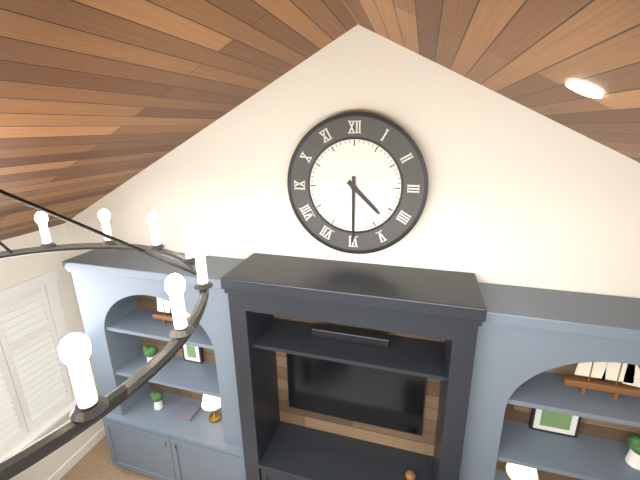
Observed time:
h=4 m=30
